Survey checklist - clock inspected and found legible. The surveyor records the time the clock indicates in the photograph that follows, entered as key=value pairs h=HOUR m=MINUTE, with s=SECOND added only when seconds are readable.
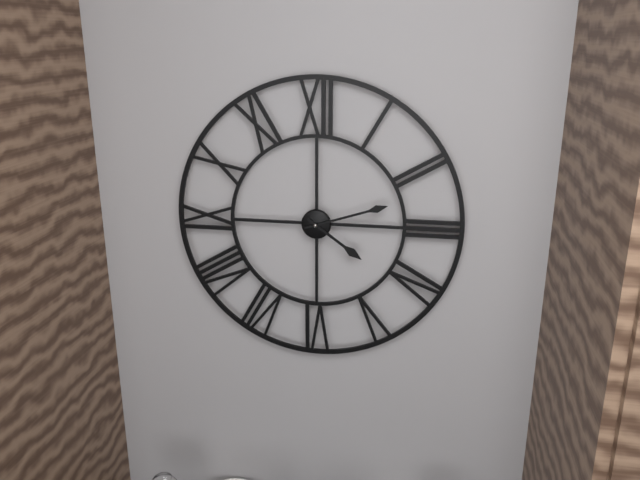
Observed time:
h=4 m=12
